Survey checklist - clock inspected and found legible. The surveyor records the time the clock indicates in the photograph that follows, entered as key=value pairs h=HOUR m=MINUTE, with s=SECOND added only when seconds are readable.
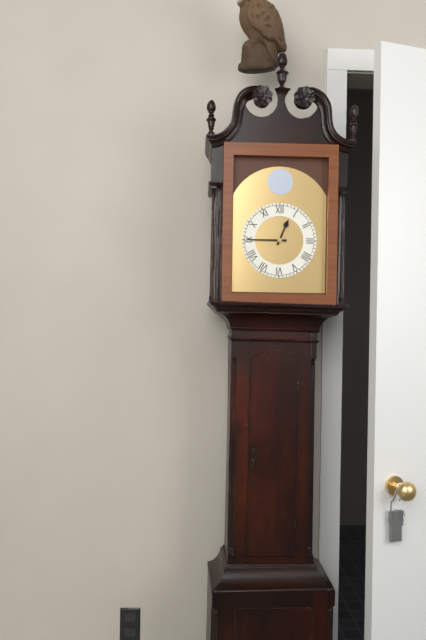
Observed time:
h=12 m=45
